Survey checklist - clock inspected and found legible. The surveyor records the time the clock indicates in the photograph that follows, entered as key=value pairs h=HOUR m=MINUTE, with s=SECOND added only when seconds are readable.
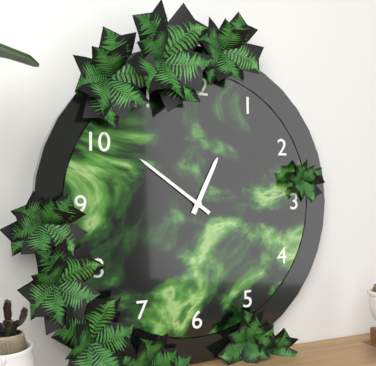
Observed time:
h=12 m=51
